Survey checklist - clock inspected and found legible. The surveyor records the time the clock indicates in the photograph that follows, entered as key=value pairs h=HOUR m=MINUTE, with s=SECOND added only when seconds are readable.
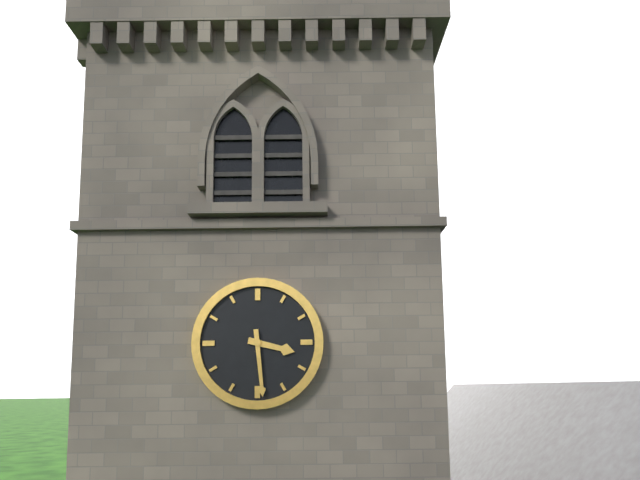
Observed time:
h=3 m=29
